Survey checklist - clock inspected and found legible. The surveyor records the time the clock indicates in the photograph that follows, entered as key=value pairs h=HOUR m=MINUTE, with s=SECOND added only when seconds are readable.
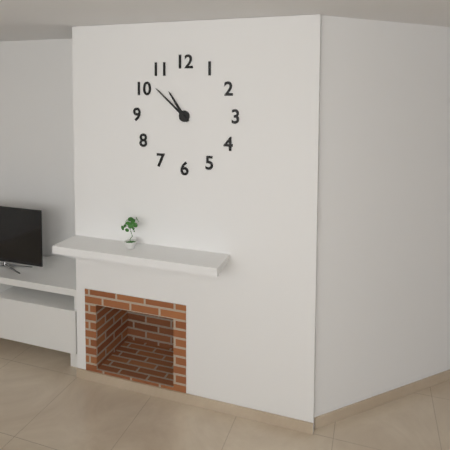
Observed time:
h=10 m=52
